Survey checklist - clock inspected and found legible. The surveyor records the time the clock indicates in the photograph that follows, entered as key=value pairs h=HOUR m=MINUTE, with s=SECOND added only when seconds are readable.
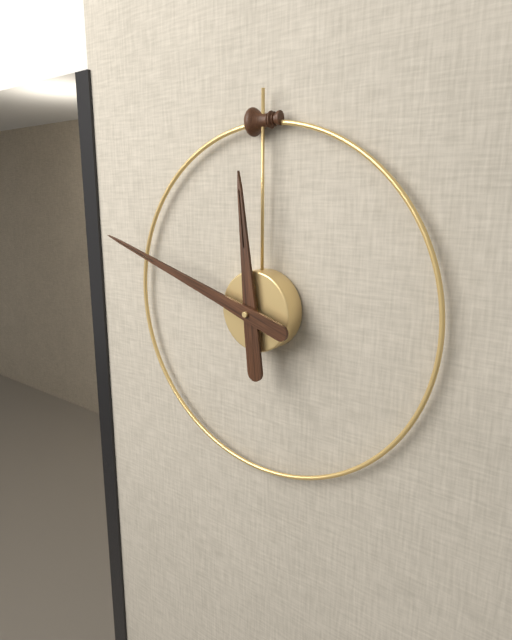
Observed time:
h=11 m=48
